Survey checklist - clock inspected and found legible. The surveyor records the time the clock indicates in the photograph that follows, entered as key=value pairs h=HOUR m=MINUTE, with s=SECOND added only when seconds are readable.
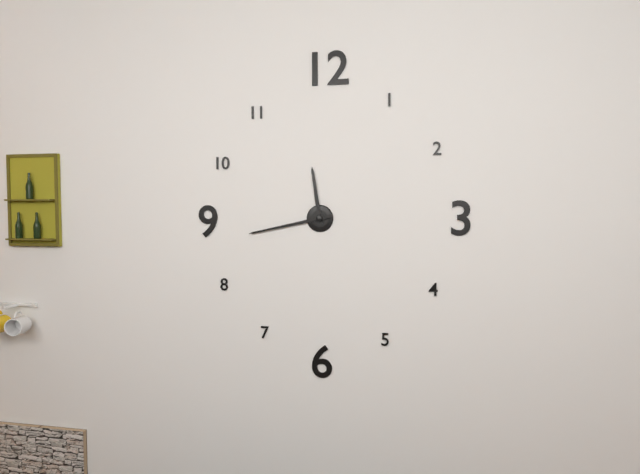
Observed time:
h=11 m=43
